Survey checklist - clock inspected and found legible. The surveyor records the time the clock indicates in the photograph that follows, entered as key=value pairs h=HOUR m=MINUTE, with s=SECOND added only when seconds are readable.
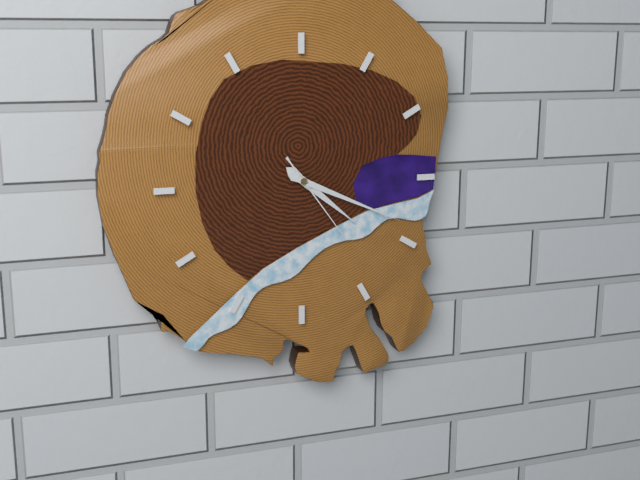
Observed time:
h=4 m=19 s=24
